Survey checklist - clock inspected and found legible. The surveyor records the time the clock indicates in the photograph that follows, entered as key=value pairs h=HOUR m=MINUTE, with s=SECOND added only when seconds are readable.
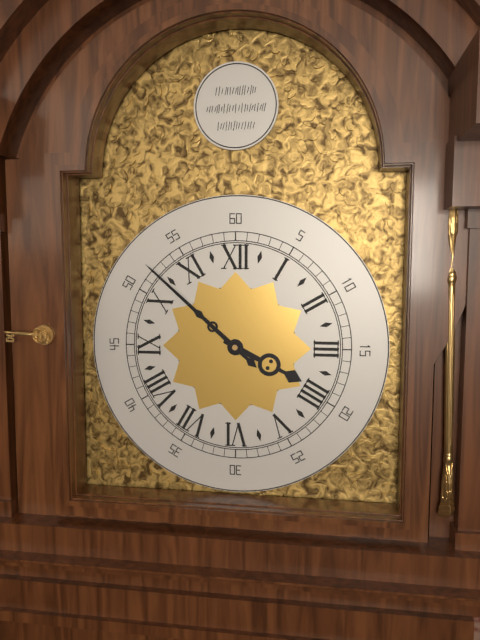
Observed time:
h=3 m=52
